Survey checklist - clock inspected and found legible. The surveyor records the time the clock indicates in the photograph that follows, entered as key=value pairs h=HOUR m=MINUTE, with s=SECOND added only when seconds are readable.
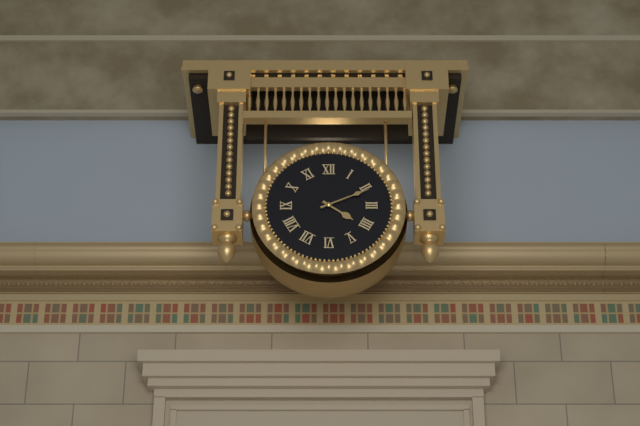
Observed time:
h=4 m=11
